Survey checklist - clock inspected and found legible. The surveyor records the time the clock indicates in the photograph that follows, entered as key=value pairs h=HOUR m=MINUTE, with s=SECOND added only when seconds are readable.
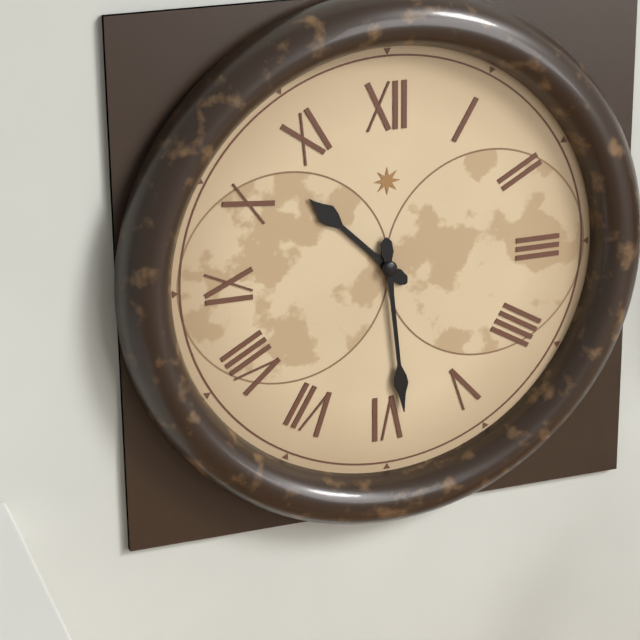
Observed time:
h=10 m=29
